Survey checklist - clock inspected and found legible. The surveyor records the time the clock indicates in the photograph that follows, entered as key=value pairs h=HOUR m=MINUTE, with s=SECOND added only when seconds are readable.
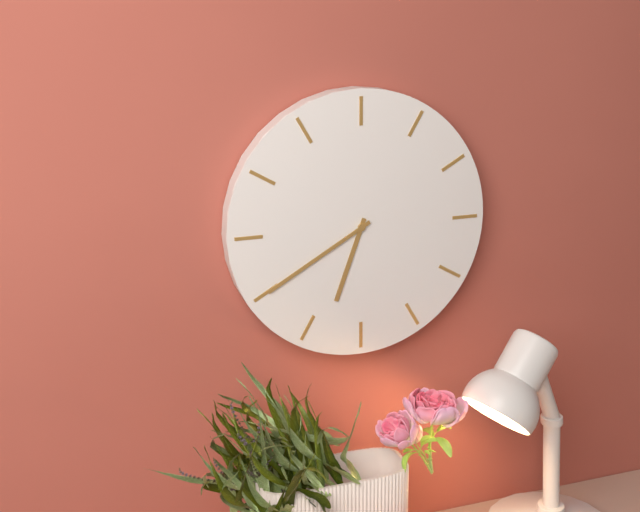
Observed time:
h=6 m=40
